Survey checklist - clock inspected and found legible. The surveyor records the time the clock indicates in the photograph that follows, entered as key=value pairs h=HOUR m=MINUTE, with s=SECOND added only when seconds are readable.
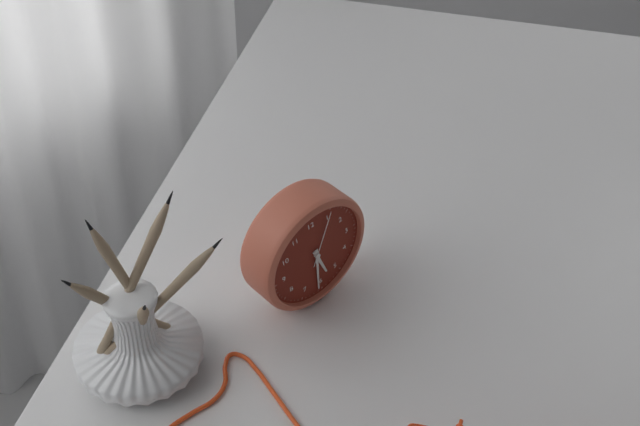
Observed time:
h=5 m=31 s=5
